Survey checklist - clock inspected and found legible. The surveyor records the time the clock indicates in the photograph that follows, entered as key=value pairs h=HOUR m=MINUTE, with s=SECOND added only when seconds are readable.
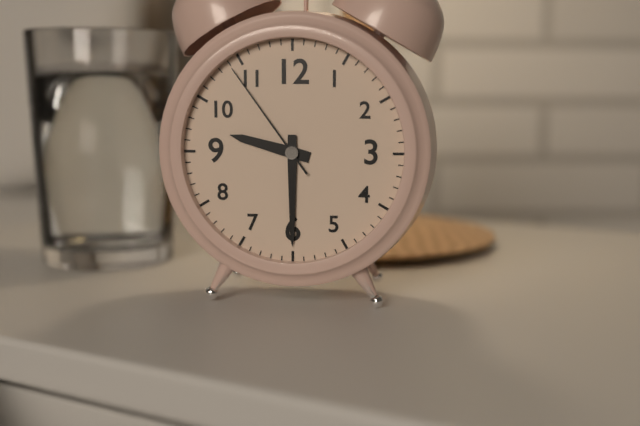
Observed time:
h=9 m=30 s=54
